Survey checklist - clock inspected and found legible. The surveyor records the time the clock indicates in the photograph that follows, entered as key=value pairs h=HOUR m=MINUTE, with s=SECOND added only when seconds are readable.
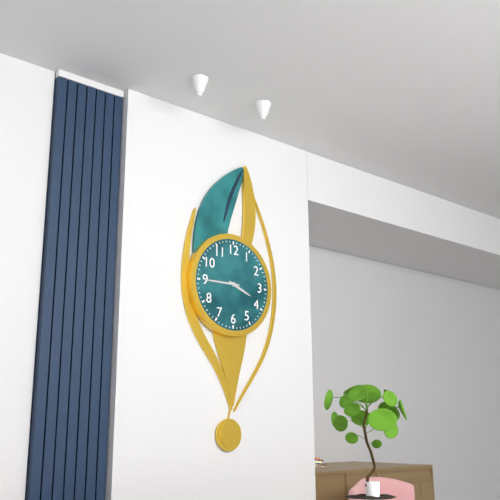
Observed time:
h=3 m=45
